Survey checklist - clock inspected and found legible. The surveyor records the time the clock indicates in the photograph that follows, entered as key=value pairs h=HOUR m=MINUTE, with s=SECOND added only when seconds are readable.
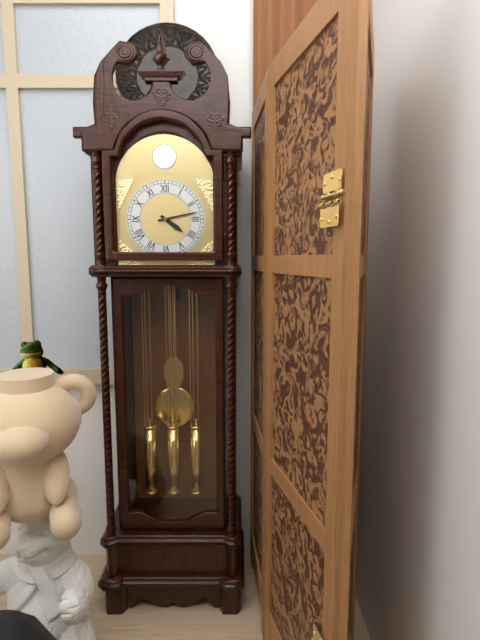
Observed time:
h=4 m=13
